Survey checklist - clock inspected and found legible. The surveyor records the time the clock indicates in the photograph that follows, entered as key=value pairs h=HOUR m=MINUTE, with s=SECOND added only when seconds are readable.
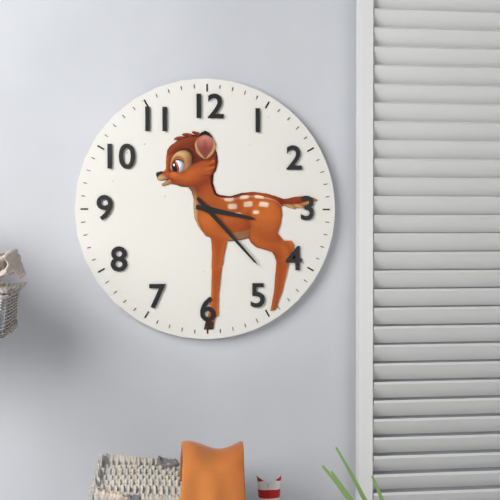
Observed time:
h=3 m=23
